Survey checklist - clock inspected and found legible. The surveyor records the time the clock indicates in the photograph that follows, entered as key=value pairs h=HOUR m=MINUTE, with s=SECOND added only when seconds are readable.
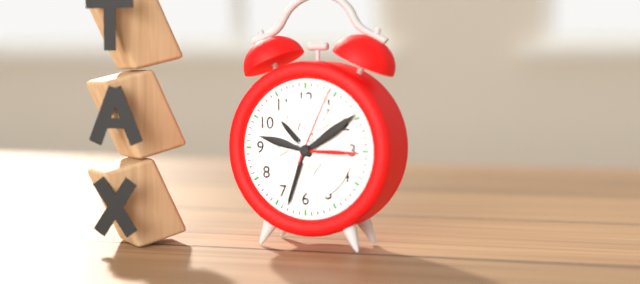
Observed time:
h=10 m=33 s=4
